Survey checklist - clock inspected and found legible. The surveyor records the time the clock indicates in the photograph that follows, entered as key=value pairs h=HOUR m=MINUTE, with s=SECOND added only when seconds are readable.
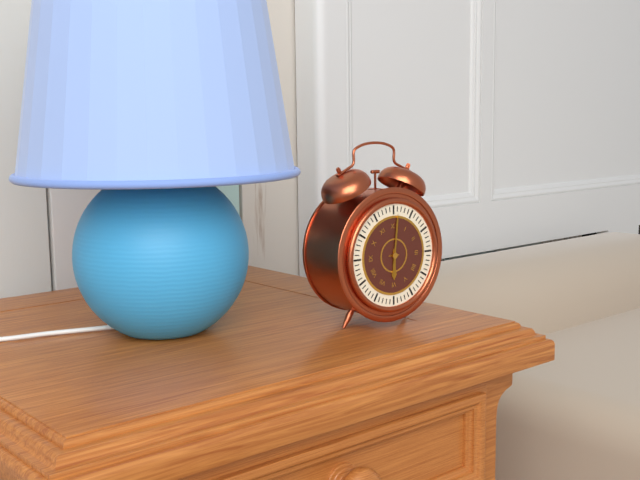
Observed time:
h=6 m=1
